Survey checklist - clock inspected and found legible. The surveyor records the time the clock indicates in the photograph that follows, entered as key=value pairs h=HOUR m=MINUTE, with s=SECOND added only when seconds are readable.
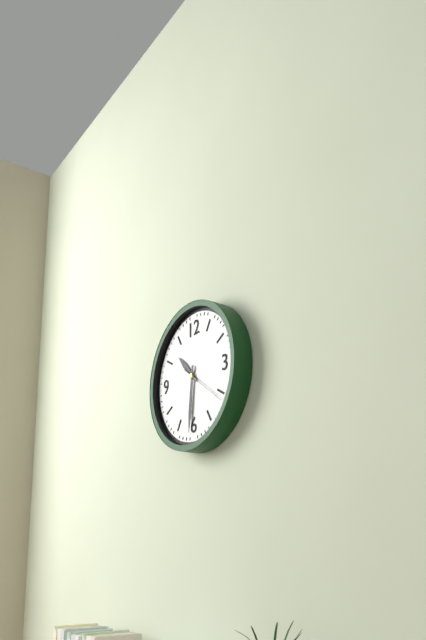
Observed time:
h=10 m=31
